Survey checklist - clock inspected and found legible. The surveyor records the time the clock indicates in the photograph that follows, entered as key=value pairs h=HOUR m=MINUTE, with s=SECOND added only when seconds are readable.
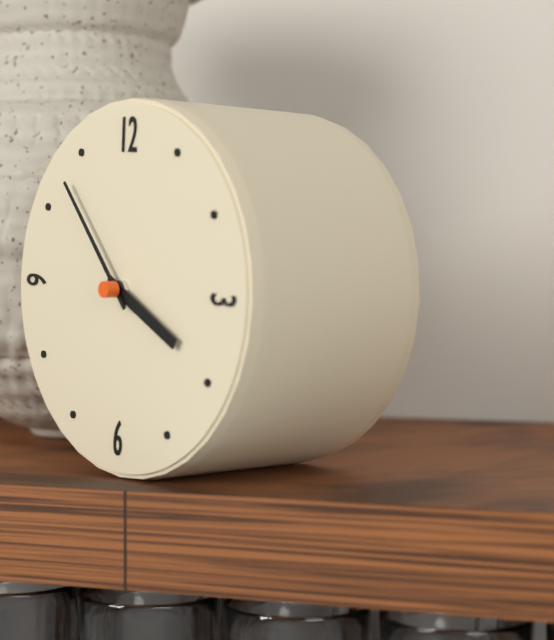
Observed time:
h=3 m=53
